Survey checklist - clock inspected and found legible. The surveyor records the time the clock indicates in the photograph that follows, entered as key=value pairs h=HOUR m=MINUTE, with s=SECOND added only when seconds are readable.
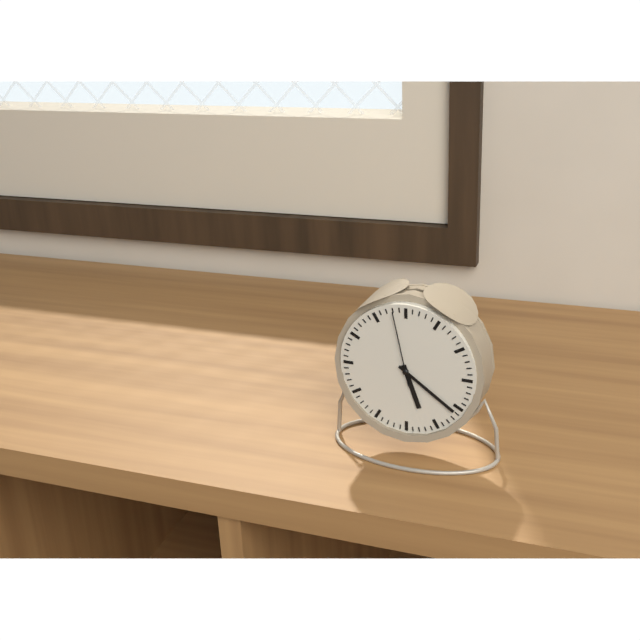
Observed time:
h=5 m=21 s=58
